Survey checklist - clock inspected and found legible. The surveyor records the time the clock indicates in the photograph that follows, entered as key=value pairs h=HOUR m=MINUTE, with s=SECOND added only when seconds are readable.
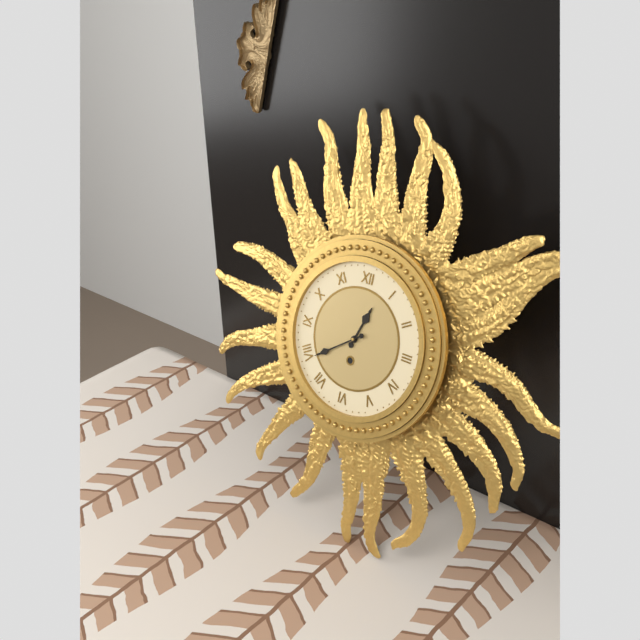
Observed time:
h=12 m=39
